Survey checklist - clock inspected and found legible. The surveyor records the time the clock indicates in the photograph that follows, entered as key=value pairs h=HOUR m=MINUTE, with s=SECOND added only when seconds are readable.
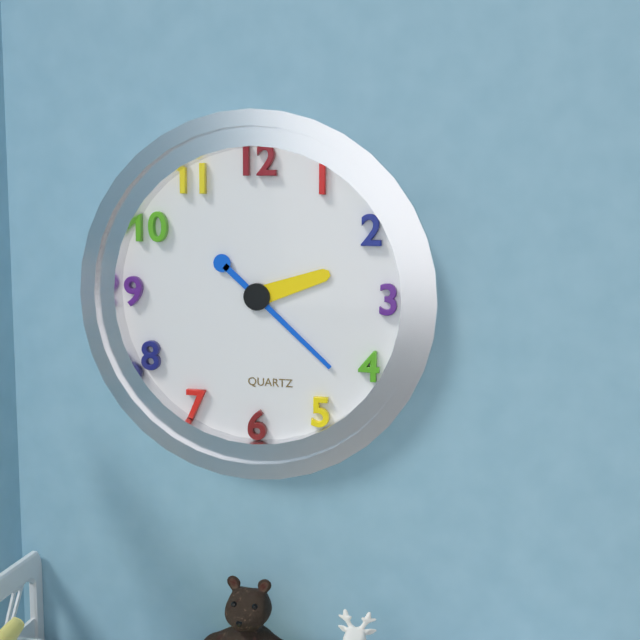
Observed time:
h=2 m=22
